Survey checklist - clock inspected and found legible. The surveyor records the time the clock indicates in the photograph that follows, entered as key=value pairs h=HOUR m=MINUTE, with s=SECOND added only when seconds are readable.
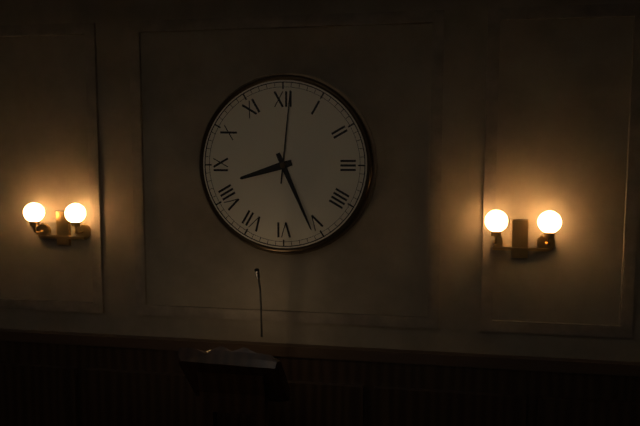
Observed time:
h=8 m=26 s=1
